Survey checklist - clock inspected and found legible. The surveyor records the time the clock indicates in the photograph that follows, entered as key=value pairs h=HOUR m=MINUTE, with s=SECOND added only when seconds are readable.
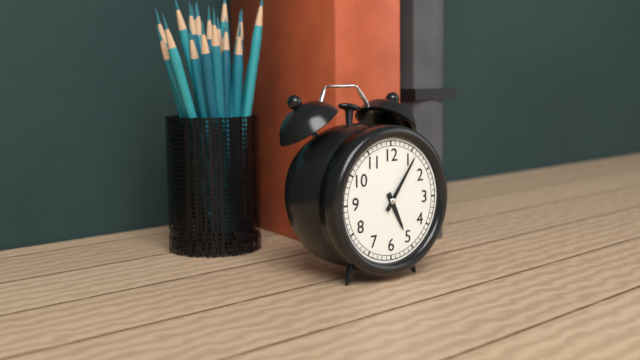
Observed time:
h=5 m=6
